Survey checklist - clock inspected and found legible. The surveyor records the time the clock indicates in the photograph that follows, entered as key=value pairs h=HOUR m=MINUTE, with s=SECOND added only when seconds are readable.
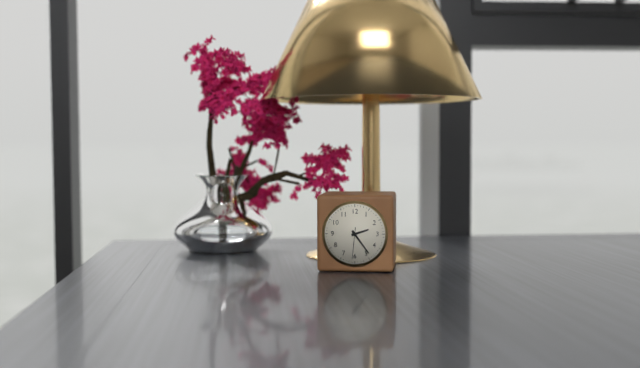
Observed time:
h=2 m=24
